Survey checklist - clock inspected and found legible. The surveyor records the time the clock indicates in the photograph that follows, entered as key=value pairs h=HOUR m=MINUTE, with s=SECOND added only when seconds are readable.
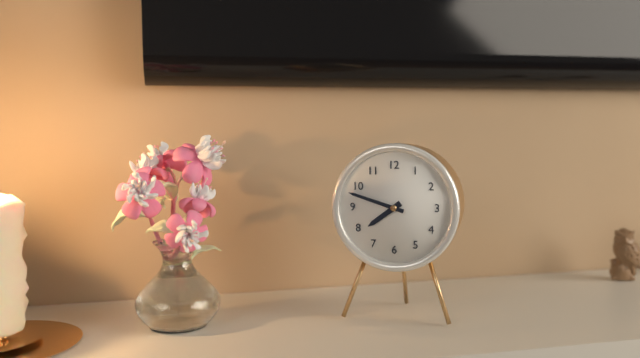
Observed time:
h=7 m=48
